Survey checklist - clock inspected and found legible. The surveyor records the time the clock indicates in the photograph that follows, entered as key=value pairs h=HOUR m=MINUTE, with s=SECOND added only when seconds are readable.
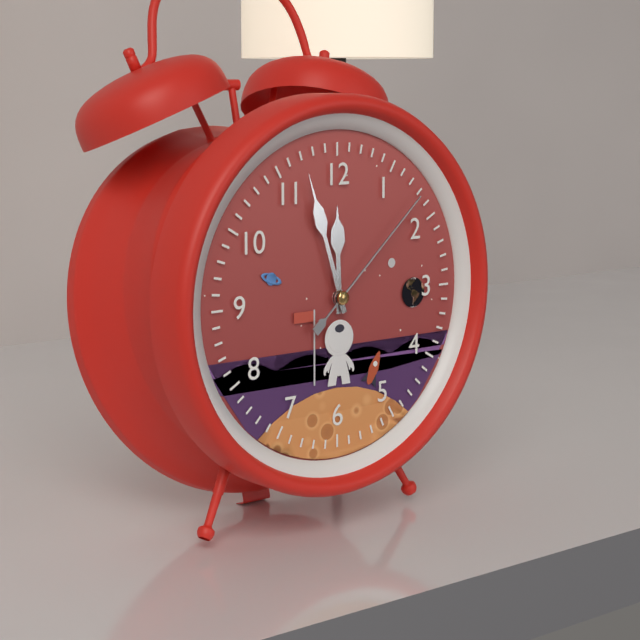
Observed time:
h=11 m=57 s=8
